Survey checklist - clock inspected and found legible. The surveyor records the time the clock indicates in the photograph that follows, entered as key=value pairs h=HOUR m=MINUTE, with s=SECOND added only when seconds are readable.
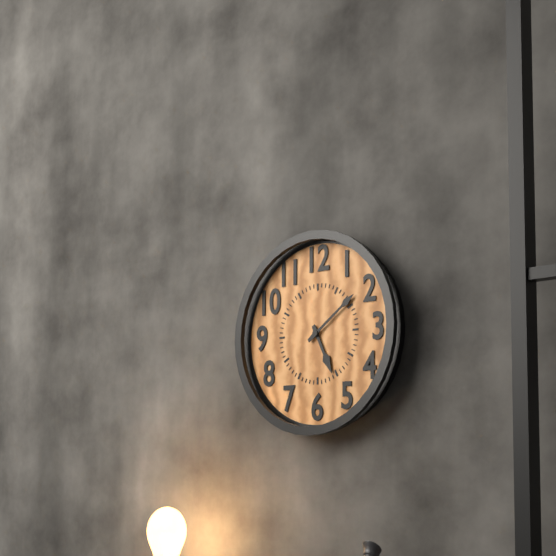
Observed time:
h=5 m=9
